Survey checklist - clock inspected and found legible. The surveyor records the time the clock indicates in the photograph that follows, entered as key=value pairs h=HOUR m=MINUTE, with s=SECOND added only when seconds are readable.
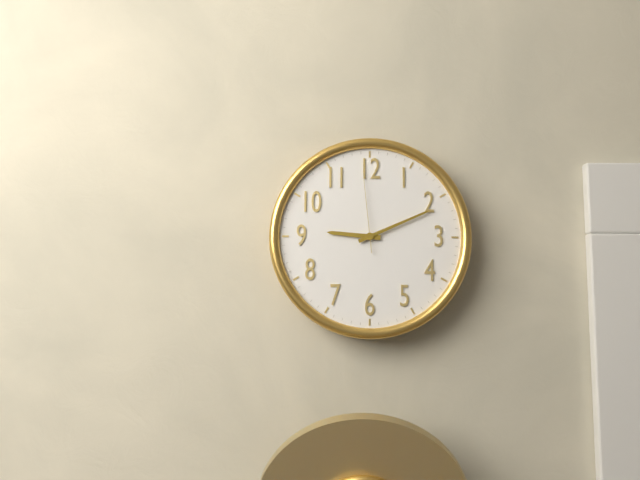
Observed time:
h=9 m=11 s=59
